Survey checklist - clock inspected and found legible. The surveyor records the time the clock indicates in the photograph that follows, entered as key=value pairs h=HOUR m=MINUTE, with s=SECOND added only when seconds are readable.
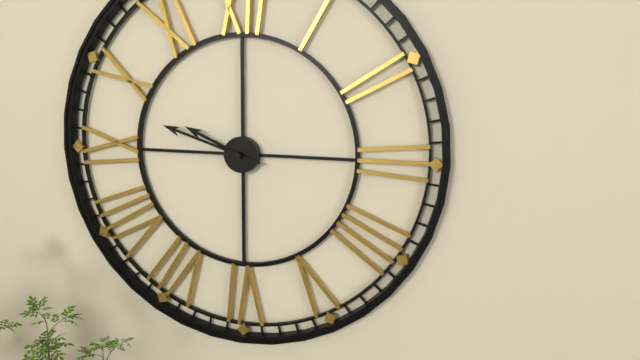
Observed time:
h=9 m=48
